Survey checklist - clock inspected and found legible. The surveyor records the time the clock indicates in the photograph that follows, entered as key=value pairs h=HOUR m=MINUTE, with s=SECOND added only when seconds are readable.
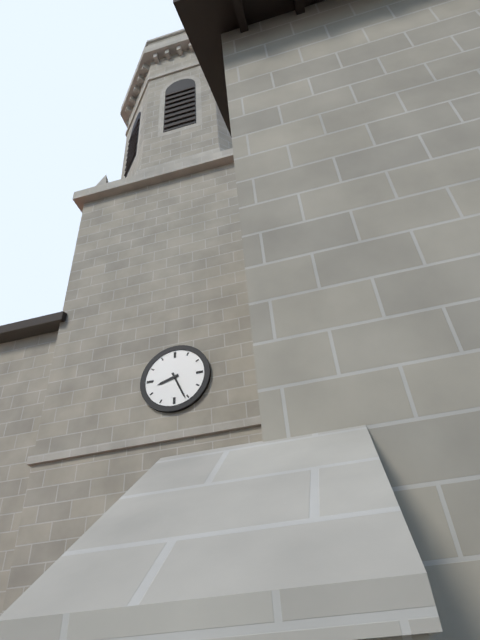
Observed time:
h=8 m=26
